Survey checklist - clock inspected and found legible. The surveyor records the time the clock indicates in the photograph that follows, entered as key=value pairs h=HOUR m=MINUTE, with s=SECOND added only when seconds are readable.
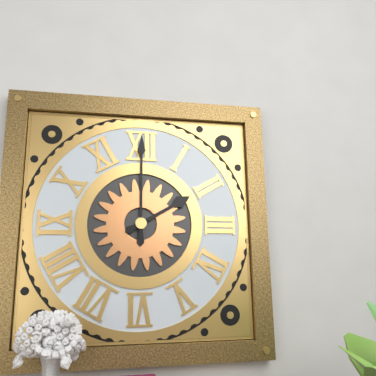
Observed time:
h=2 m=0
